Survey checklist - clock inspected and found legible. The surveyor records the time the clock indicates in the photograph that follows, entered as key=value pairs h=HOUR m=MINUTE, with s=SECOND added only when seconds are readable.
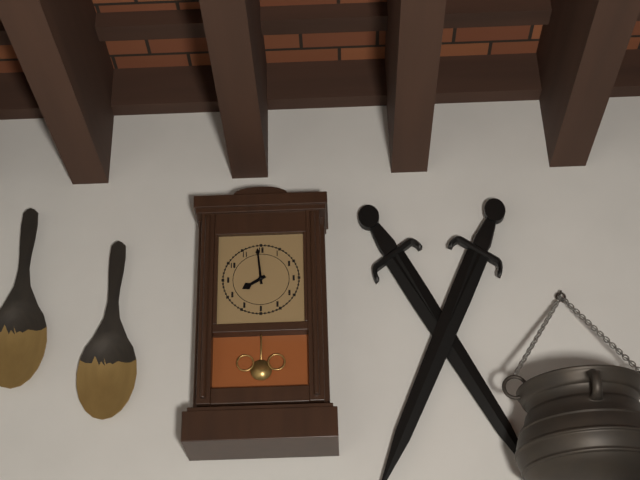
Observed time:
h=7 m=59
